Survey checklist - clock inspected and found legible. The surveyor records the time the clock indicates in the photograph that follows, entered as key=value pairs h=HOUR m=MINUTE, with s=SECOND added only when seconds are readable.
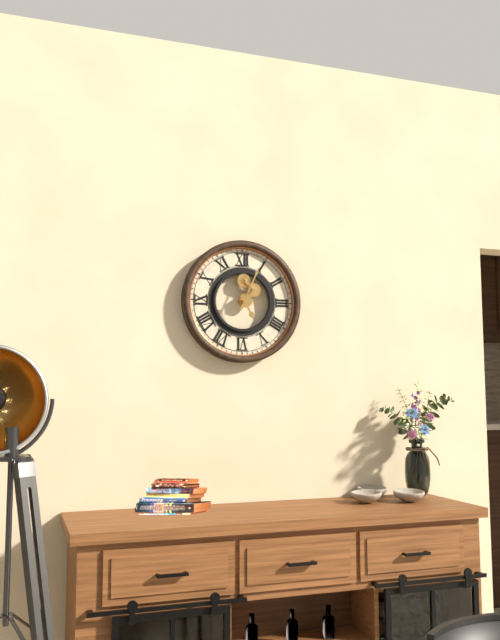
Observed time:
h=5 m=4
